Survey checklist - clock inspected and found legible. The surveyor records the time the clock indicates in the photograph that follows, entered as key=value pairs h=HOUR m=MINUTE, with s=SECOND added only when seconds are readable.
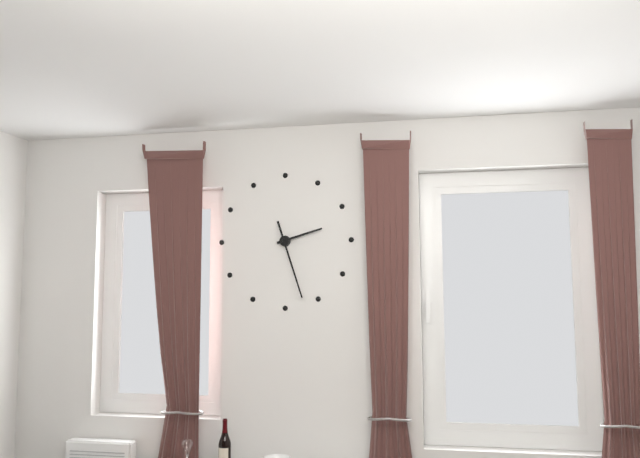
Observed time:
h=2 m=27
